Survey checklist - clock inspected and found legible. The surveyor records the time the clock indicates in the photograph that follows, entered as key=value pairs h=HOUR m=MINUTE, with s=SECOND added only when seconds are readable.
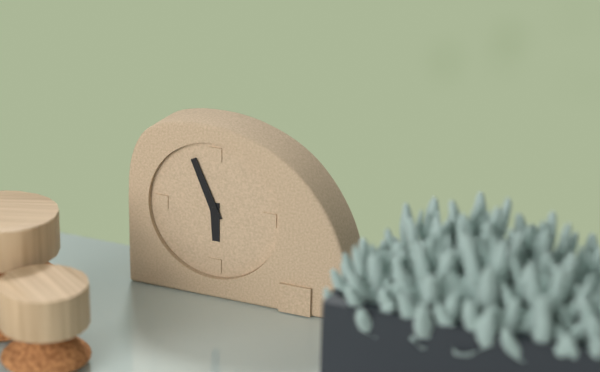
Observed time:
h=5 m=56
